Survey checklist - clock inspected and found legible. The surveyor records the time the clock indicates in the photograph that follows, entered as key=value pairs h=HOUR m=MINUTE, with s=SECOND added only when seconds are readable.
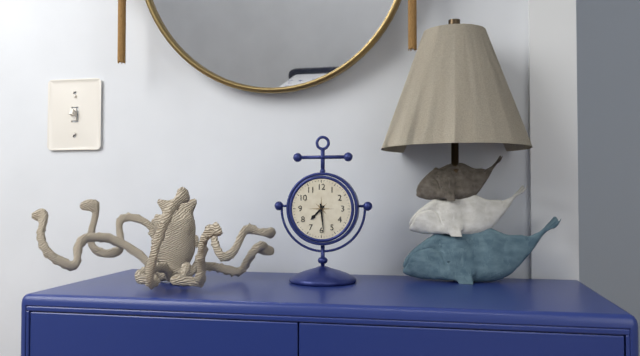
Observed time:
h=7 m=29
